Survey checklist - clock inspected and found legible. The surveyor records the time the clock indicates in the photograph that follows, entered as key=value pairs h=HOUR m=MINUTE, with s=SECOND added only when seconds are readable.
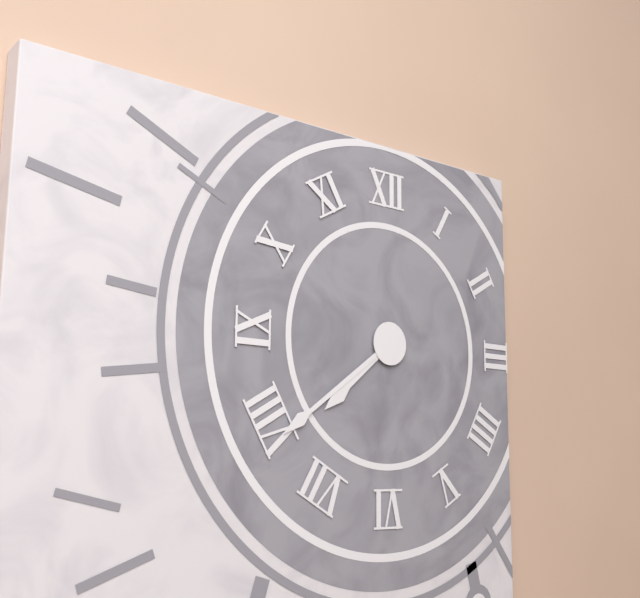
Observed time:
h=7 m=39
